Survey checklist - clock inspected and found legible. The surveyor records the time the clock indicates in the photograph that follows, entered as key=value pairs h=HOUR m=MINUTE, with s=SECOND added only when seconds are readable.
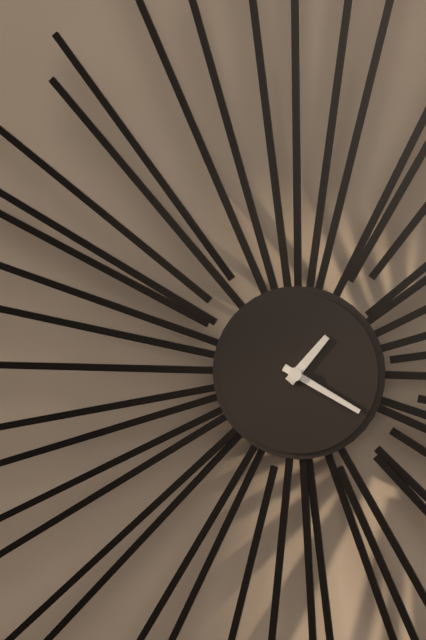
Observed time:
h=1 m=20
